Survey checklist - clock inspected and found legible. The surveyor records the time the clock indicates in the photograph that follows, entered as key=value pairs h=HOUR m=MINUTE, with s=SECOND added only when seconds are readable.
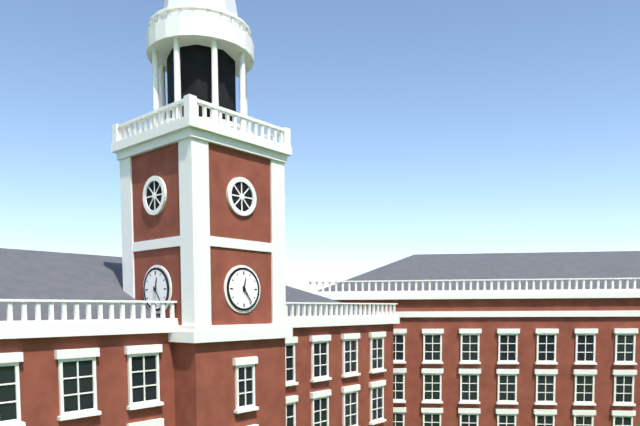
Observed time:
h=12 m=24
